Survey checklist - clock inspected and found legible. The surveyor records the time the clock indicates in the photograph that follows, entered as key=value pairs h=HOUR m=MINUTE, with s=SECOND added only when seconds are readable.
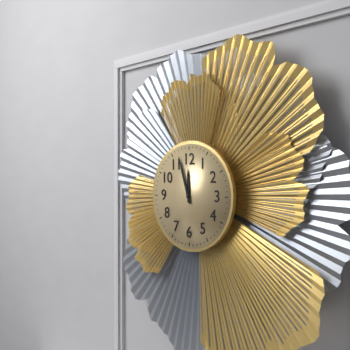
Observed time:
h=11 m=57
